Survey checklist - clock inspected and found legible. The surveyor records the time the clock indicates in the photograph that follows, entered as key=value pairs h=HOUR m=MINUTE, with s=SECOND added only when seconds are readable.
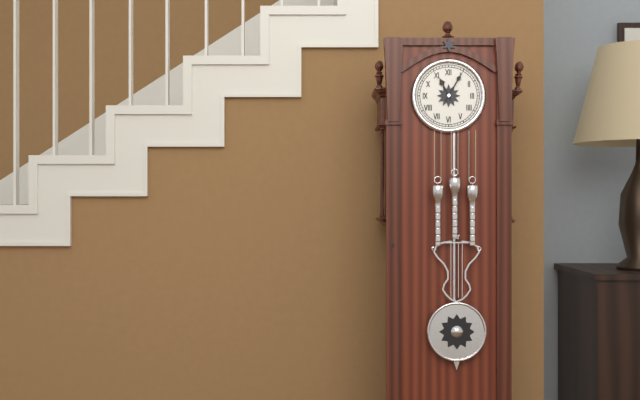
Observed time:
h=11 m=5
